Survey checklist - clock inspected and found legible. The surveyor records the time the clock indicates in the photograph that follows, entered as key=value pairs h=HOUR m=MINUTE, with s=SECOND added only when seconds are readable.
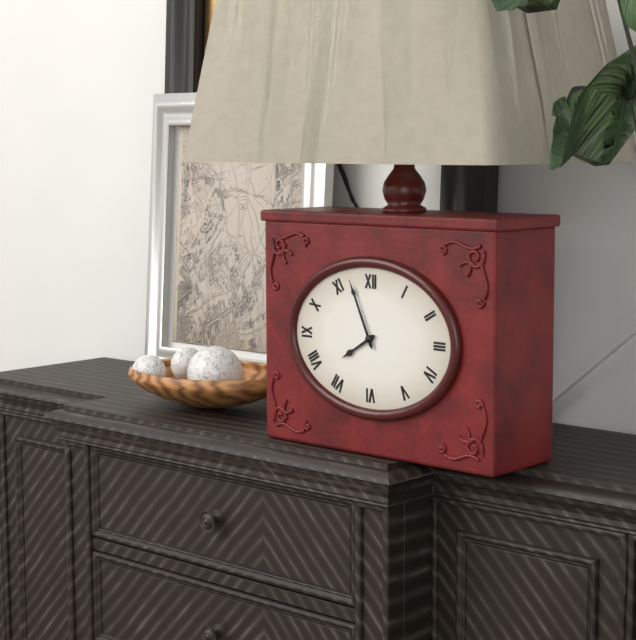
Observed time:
h=7 m=56
